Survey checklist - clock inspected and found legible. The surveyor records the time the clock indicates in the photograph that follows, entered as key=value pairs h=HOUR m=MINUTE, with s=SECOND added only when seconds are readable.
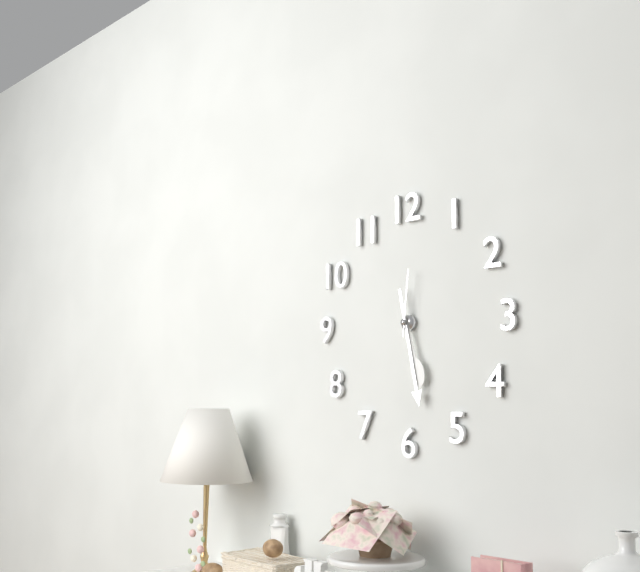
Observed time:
h=5 m=28 s=1
